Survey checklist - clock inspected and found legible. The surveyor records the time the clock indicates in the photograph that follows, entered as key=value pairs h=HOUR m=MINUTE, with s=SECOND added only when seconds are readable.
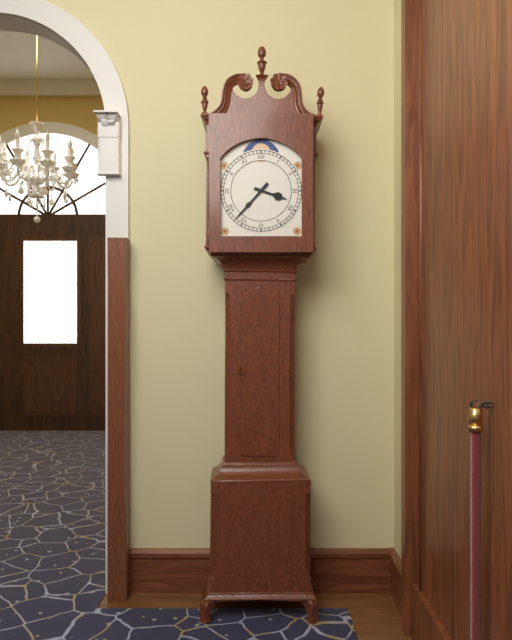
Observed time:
h=3 m=37
